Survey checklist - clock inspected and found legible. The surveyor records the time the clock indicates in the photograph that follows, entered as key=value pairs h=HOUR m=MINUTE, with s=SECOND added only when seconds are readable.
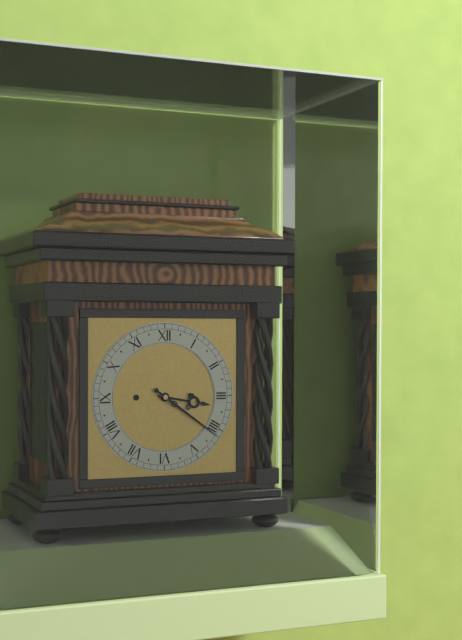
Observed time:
h=3 m=21
